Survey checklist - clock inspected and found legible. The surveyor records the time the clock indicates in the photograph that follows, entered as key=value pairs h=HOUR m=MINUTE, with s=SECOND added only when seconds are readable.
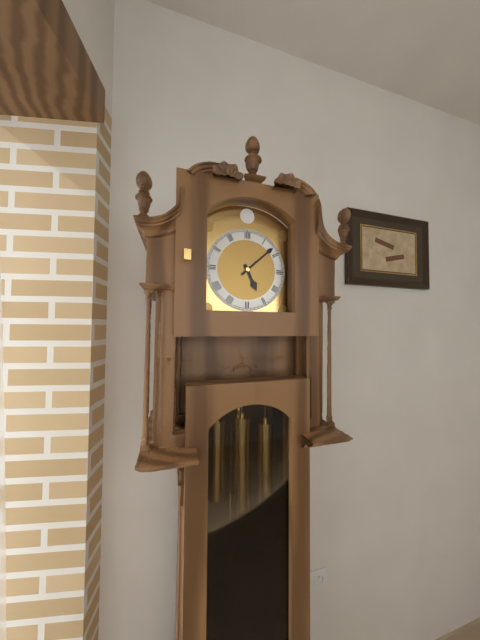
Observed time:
h=5 m=8
